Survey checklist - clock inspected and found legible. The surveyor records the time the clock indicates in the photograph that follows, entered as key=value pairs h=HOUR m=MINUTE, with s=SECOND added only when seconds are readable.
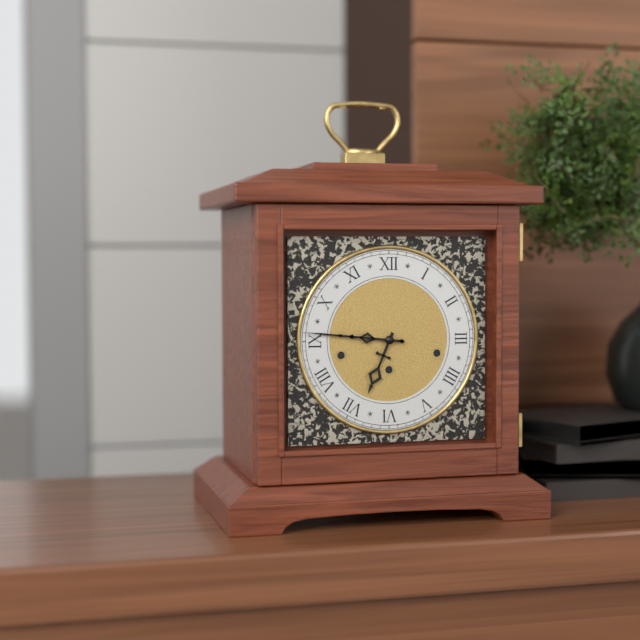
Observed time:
h=6 m=46
